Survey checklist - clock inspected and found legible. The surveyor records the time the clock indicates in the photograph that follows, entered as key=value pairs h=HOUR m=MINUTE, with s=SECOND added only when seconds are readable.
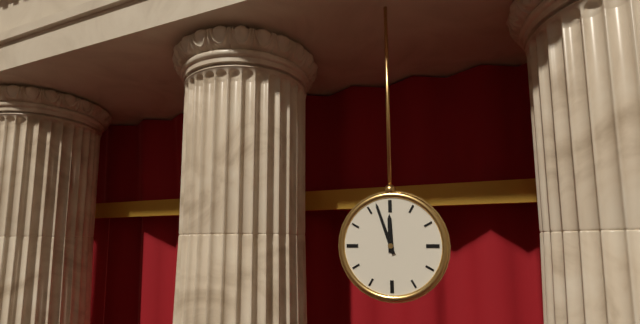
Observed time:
h=11 m=57
